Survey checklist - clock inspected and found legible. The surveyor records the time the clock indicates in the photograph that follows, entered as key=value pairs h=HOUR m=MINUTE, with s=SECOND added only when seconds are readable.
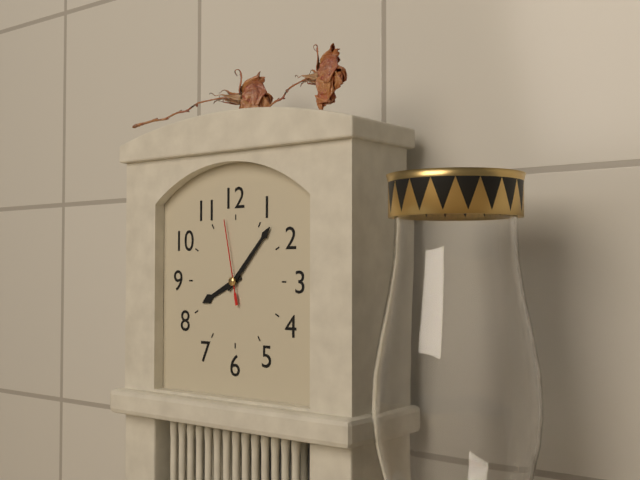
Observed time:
h=8 m=7 s=58
